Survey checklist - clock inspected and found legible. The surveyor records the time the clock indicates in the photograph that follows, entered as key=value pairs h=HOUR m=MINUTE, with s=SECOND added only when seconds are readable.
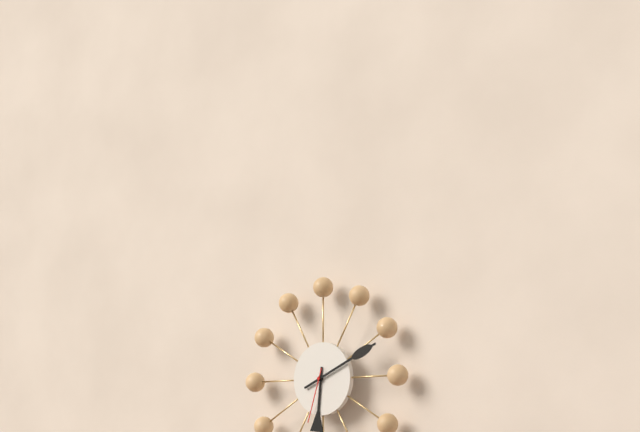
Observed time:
h=6 m=11 s=33
